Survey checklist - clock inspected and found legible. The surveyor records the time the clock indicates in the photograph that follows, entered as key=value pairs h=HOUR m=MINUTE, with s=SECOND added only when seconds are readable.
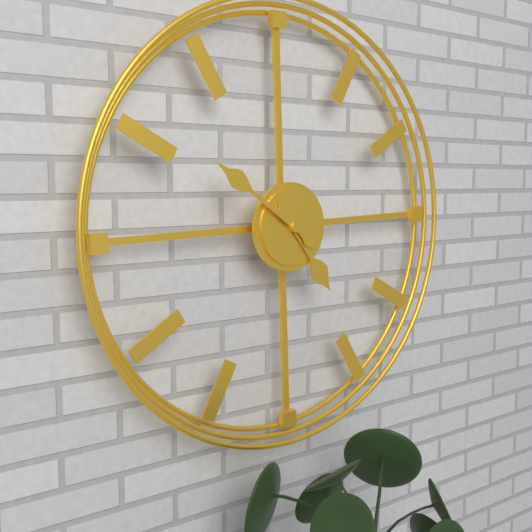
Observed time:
h=4 m=51
